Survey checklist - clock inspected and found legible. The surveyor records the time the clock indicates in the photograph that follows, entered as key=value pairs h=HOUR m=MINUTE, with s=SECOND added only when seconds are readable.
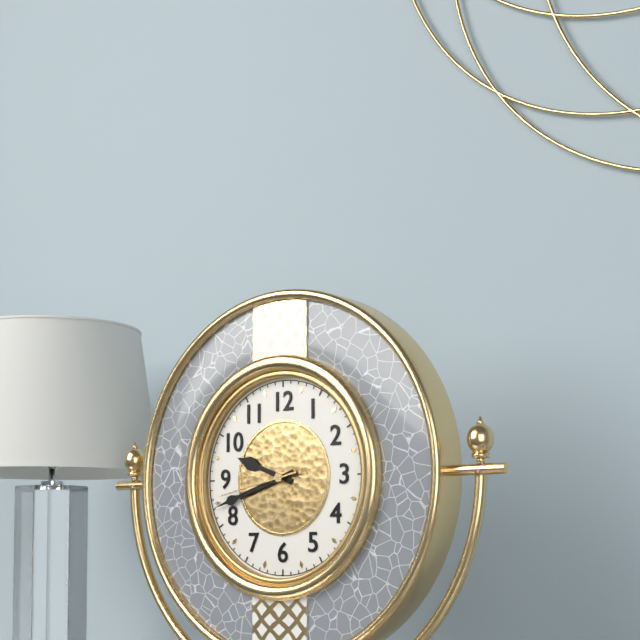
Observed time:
h=9 m=42 s=43
